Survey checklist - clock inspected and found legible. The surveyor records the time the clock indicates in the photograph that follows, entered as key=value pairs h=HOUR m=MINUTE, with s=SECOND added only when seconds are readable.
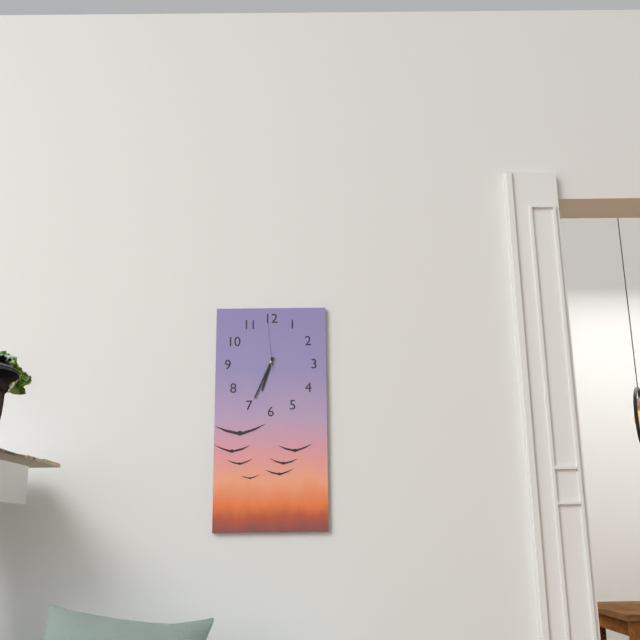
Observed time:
h=6 m=34 s=59
